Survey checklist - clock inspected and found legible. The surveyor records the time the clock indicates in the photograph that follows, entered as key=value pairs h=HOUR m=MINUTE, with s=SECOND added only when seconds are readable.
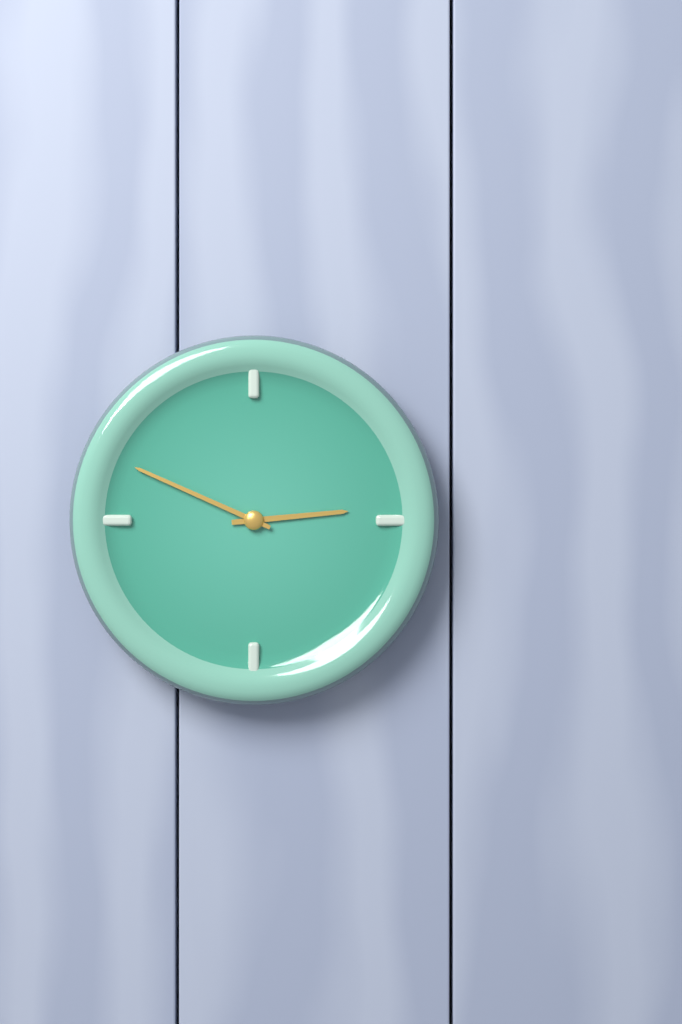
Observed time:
h=2 m=49
